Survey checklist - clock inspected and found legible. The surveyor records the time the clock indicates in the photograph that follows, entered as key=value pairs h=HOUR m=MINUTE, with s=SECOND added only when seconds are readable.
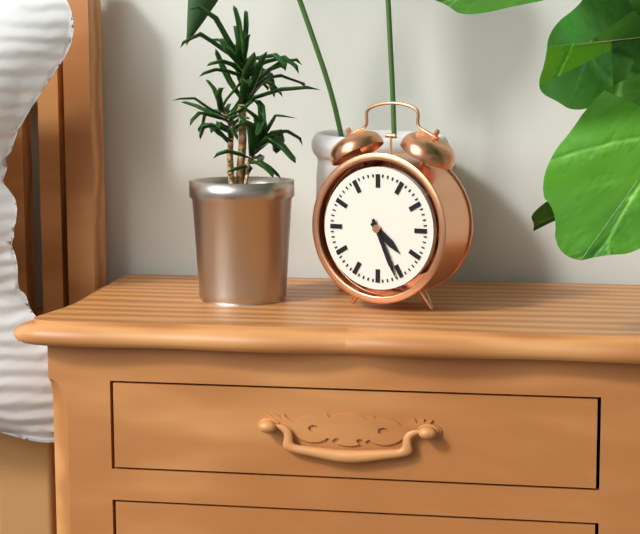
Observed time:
h=4 m=26
